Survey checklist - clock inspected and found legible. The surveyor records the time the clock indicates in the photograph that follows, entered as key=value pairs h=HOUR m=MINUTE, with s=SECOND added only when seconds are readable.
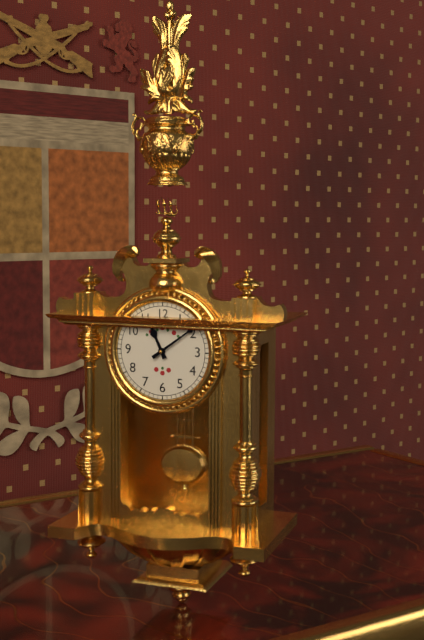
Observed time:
h=11 m=9
